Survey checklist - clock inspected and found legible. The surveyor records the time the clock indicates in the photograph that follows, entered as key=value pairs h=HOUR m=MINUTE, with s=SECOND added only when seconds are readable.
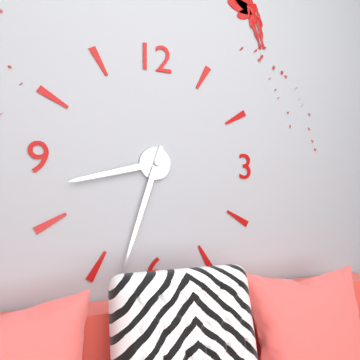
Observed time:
h=8 m=33
